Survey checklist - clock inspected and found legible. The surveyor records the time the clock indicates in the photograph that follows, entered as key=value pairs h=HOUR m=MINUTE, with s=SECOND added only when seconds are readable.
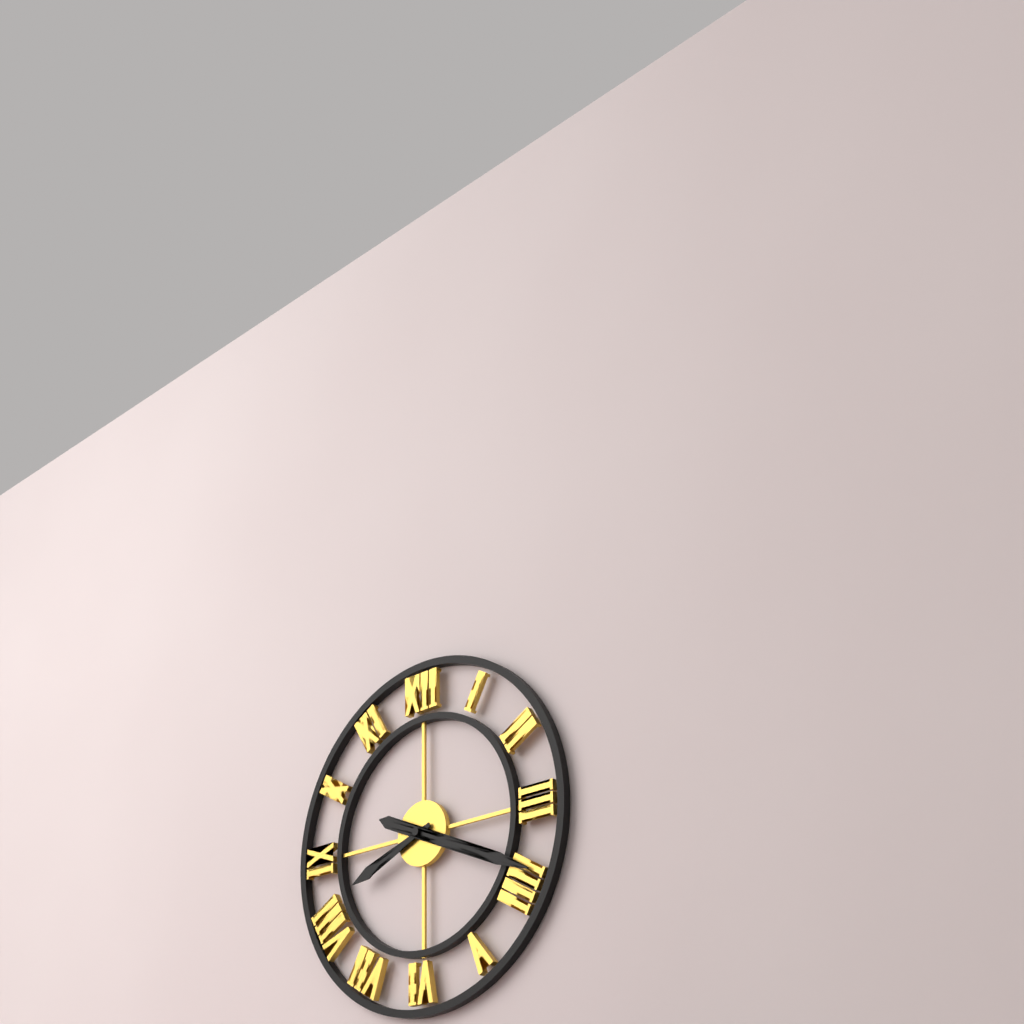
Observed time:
h=8 m=19
